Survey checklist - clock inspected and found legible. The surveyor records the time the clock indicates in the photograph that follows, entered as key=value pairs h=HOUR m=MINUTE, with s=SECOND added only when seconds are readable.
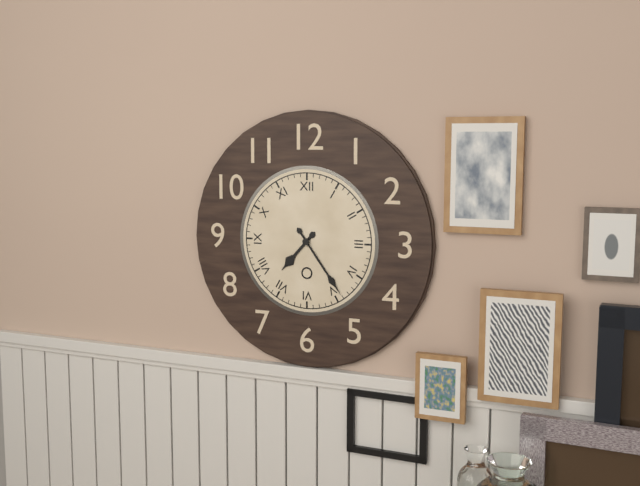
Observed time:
h=7 m=24
